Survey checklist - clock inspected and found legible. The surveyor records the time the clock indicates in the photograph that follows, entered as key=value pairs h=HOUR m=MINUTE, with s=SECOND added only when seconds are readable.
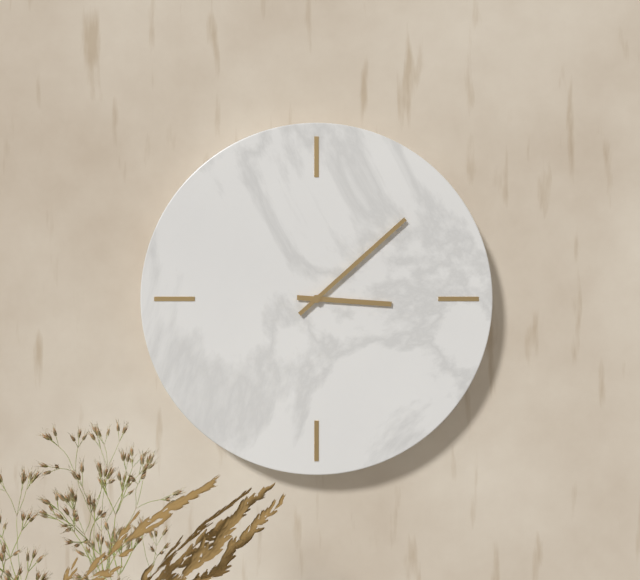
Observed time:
h=3 m=8
